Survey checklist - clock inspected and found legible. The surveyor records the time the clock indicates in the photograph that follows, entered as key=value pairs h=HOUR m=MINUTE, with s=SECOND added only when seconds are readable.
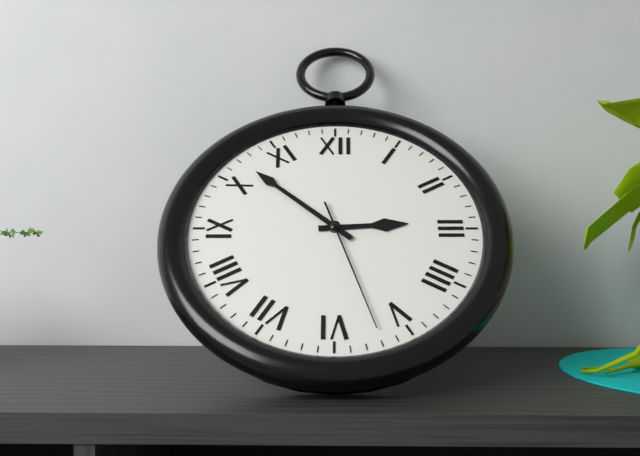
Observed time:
h=2 m=52 s=27
